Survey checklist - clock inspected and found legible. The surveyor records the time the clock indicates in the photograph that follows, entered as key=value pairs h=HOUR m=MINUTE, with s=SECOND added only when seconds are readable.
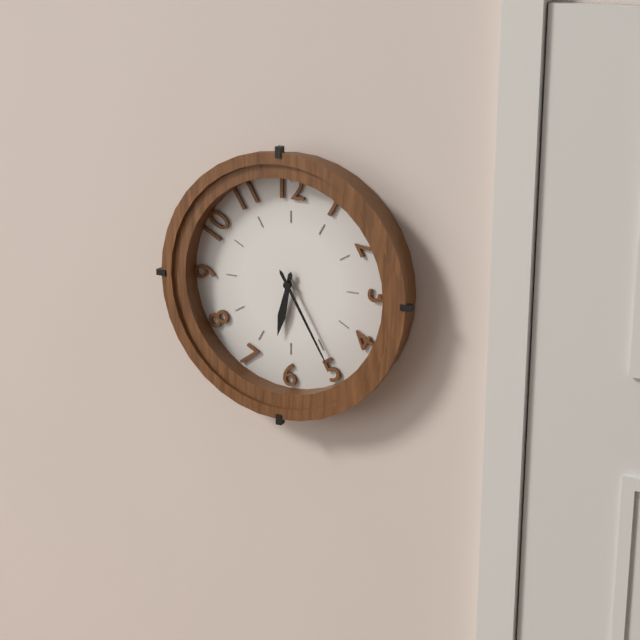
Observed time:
h=6 m=25
